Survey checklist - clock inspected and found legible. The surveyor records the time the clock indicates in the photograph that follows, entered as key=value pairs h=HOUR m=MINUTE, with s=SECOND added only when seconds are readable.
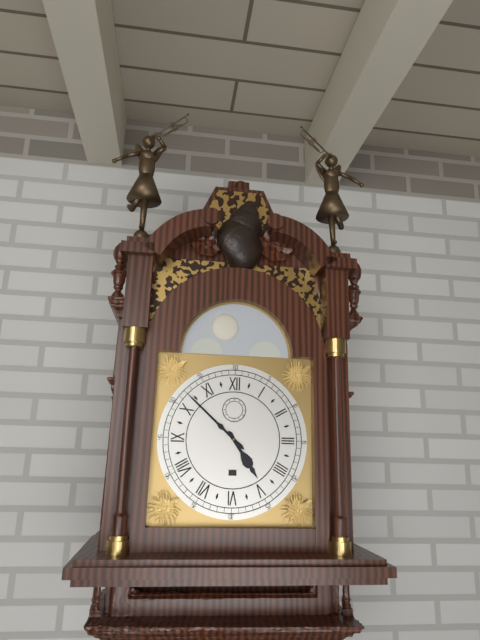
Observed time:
h=4 m=52
